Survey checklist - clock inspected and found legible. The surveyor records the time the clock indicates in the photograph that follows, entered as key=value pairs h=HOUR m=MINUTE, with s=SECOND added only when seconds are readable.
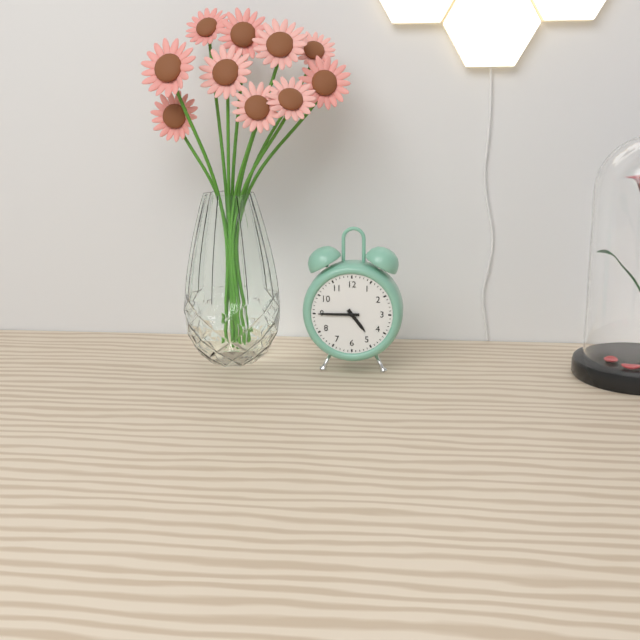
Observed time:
h=4 m=45
